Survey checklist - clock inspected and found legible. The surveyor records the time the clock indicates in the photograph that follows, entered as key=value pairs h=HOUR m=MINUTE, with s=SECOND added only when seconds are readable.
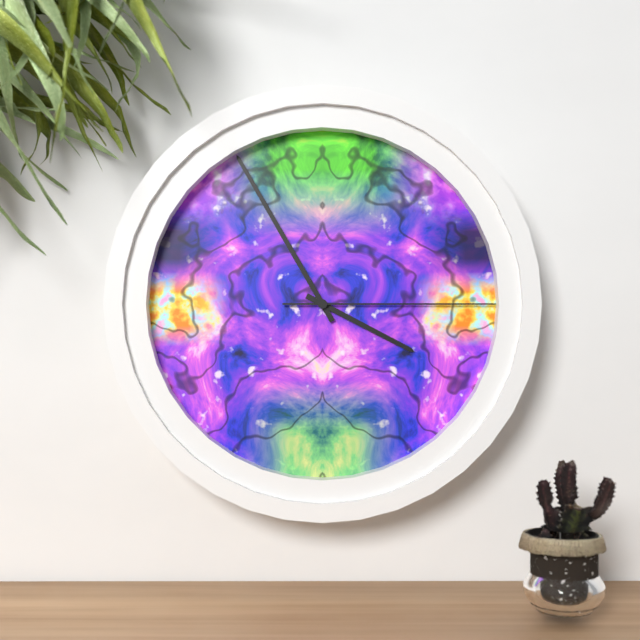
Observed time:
h=3 m=55 s=15
